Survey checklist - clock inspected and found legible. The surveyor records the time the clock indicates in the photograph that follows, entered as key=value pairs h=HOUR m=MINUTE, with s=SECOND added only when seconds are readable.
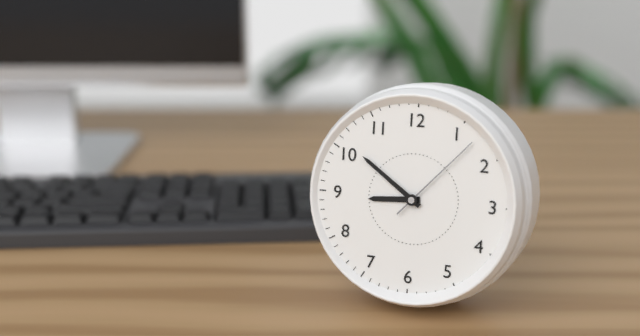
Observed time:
h=8 m=51 s=7
